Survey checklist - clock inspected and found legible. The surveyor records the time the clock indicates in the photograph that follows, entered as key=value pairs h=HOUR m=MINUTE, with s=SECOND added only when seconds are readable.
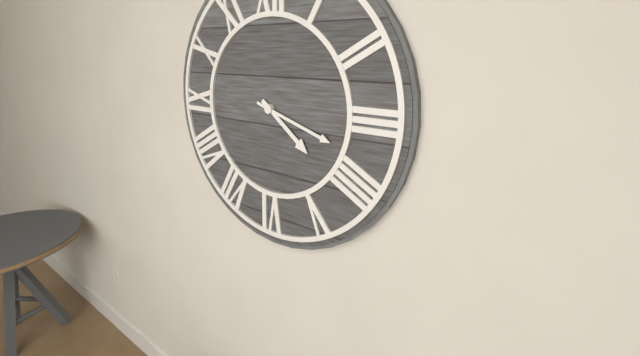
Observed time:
h=4 m=18
